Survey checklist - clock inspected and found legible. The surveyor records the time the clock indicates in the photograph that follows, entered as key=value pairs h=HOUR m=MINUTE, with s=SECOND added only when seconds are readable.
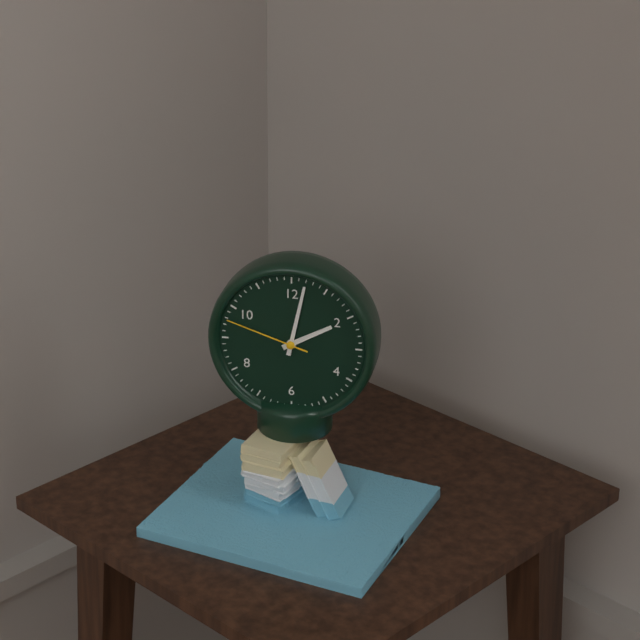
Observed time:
h=2 m=2 s=48
